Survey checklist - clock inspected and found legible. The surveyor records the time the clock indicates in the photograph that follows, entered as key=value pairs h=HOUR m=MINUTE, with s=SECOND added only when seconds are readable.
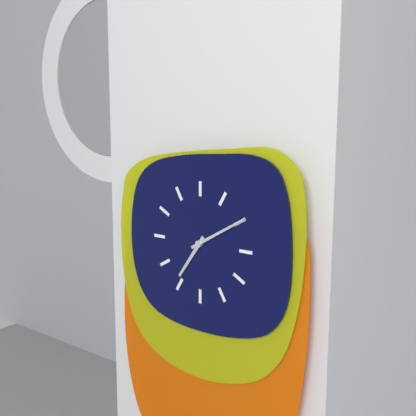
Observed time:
h=7 m=10
